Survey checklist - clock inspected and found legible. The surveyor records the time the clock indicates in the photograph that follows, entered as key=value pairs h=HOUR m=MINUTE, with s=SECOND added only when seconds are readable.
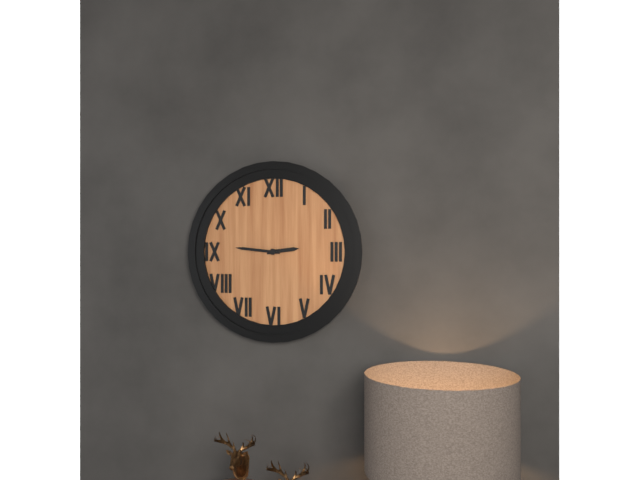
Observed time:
h=2 m=46
